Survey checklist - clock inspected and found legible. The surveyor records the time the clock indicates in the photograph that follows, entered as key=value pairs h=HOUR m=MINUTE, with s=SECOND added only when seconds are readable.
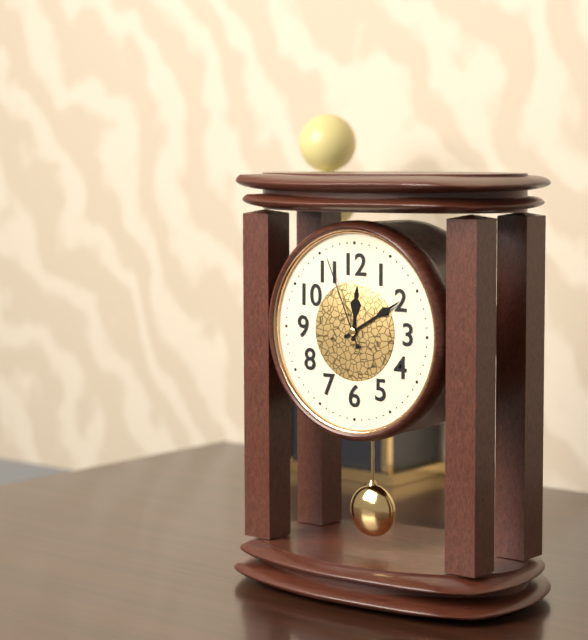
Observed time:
h=12 m=10 s=56
